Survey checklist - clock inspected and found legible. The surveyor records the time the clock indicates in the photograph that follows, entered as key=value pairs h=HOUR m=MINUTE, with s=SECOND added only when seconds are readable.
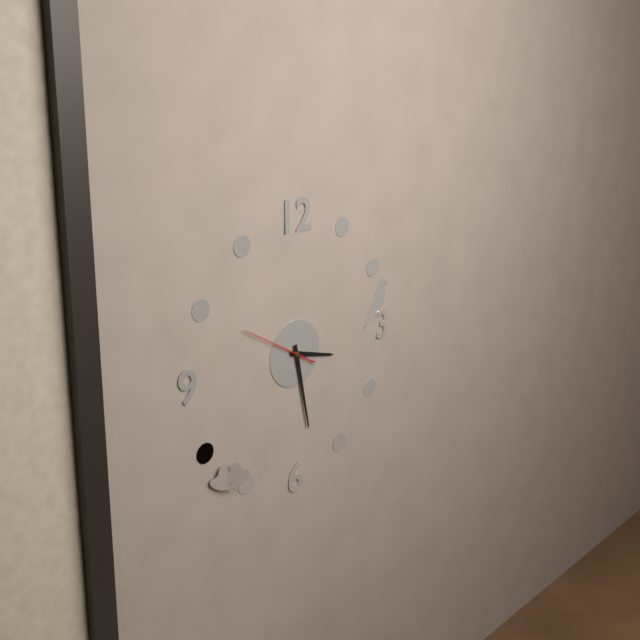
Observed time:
h=3 m=28 s=50
